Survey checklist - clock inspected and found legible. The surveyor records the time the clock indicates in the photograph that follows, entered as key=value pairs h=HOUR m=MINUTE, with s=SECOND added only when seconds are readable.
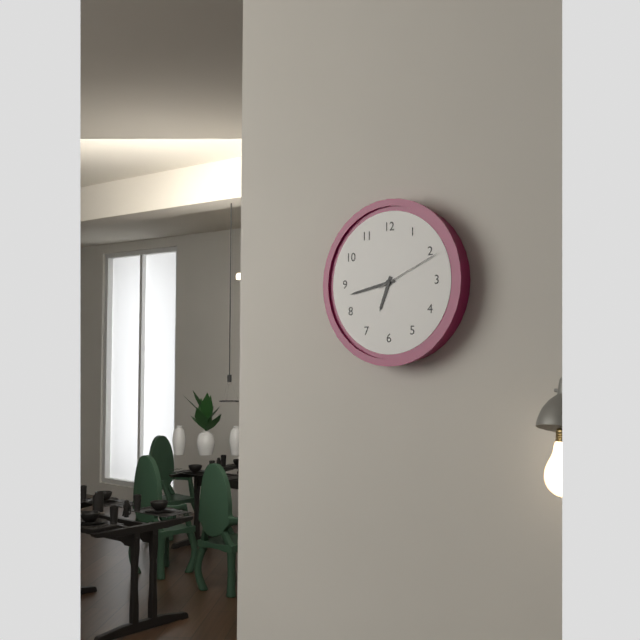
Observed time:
h=6 m=43 s=11
